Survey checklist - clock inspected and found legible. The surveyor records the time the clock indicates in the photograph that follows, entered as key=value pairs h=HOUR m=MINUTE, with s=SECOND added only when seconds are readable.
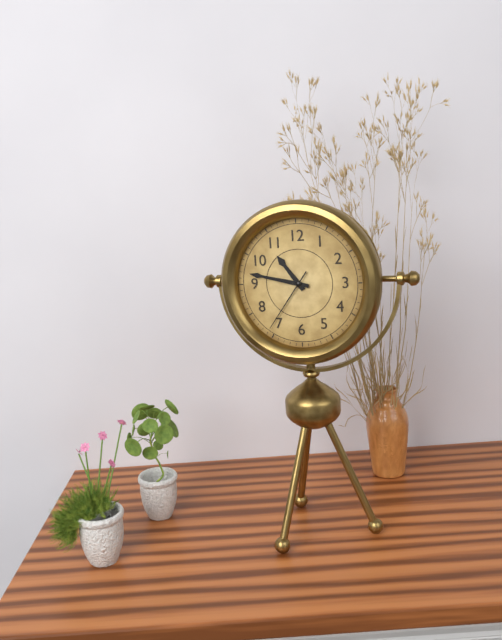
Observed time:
h=10 m=47 s=36
